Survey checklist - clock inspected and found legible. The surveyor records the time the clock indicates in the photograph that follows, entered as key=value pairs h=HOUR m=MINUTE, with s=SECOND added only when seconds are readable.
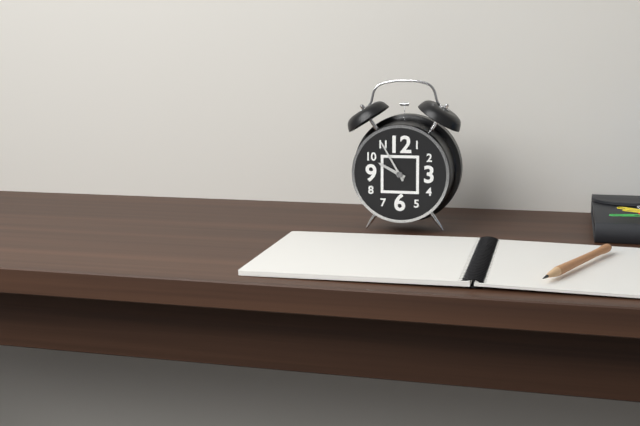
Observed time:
h=9 m=55
